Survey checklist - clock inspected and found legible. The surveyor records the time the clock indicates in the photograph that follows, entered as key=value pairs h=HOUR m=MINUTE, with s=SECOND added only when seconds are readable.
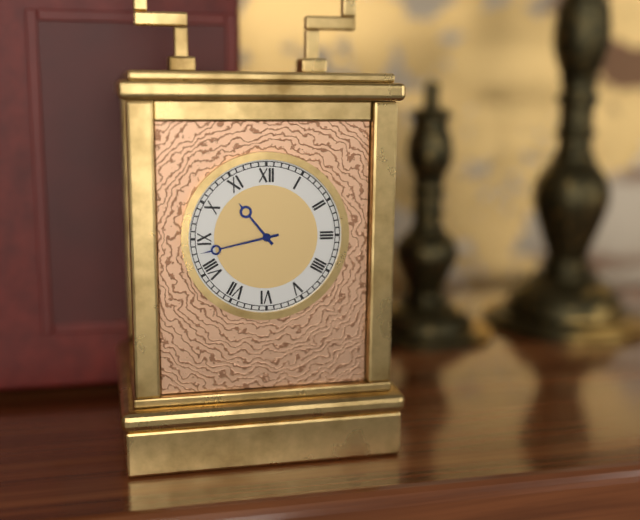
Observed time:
h=10 m=43
